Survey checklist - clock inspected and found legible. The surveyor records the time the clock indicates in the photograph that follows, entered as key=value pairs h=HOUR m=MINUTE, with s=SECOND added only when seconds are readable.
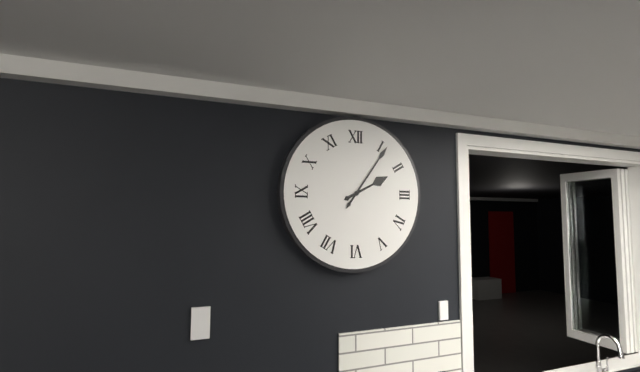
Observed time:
h=2 m=6
